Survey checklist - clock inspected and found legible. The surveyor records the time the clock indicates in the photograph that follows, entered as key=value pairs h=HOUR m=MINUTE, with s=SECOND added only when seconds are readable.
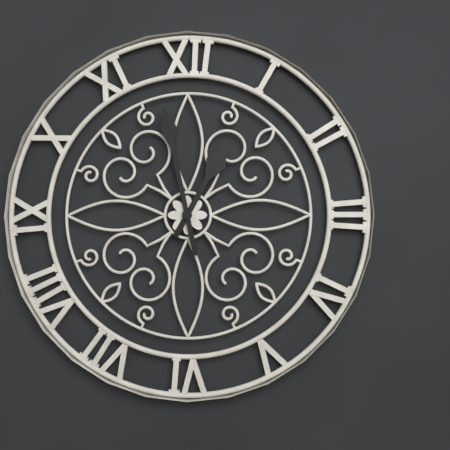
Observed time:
h=12 m=58
